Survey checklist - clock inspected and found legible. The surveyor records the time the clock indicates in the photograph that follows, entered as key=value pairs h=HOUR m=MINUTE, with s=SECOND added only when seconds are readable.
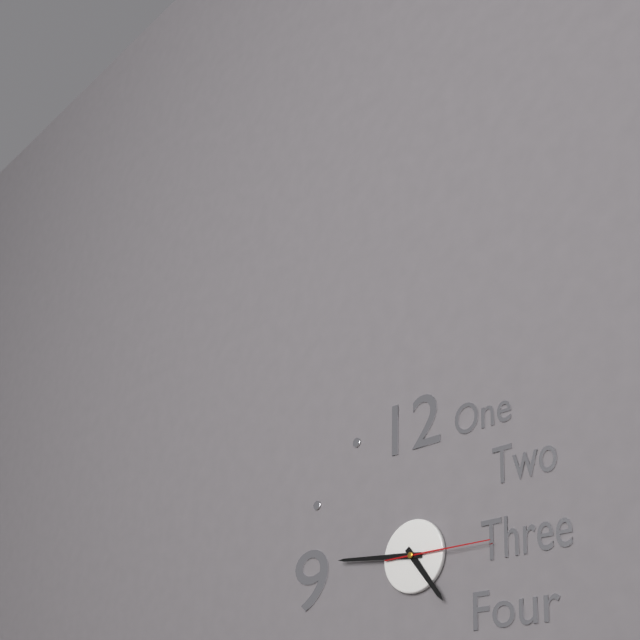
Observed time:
h=4 m=46 s=15
